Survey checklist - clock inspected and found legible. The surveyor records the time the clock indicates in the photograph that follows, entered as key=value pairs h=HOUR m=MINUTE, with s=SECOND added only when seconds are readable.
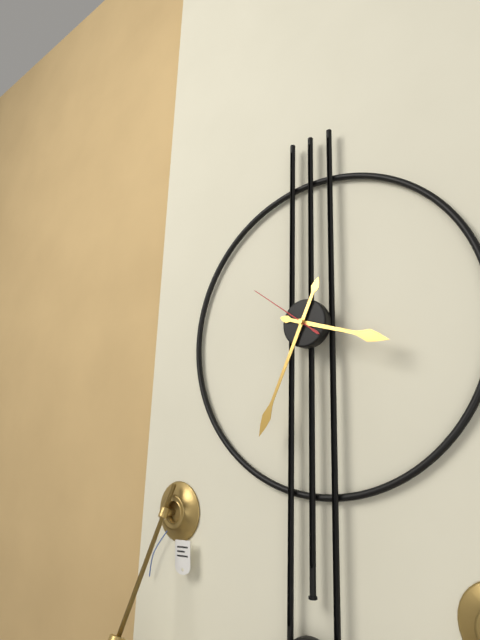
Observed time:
h=3 m=34 s=51
